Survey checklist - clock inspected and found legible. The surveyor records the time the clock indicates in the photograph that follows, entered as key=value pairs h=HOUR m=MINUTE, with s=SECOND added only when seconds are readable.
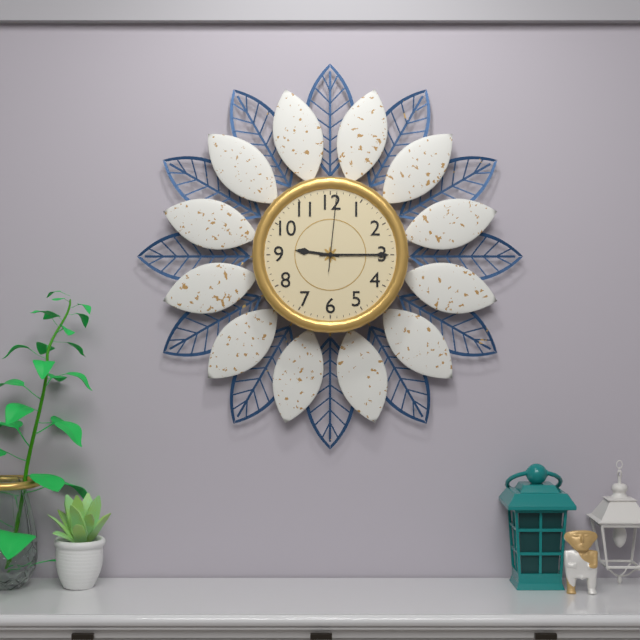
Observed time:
h=9 m=15 s=1
